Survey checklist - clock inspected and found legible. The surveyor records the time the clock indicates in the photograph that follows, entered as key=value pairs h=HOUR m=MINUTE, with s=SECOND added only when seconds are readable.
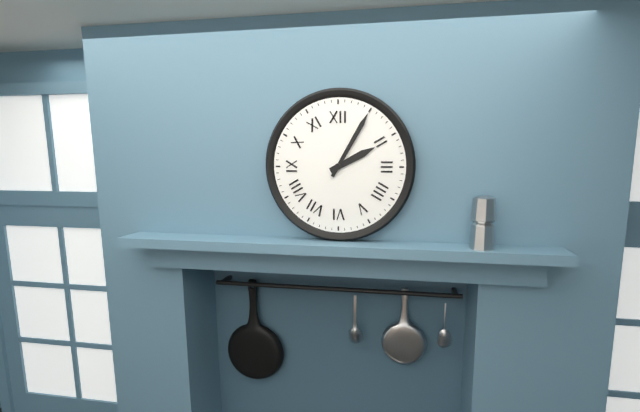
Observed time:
h=2 m=5
